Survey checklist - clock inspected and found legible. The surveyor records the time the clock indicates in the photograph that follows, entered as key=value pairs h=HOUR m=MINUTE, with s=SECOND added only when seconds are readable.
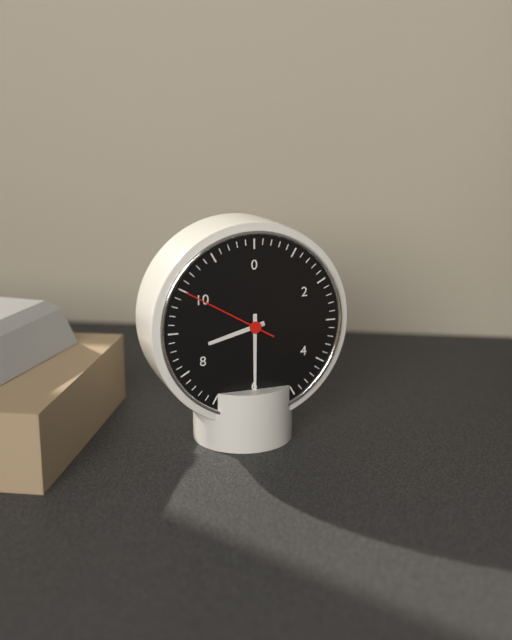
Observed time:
h=8 m=30 s=50
